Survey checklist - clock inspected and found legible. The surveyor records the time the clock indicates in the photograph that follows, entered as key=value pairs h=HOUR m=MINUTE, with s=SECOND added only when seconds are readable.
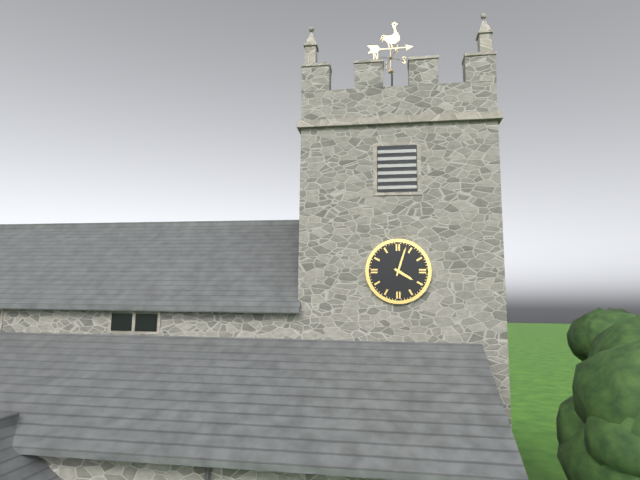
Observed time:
h=4 m=3
